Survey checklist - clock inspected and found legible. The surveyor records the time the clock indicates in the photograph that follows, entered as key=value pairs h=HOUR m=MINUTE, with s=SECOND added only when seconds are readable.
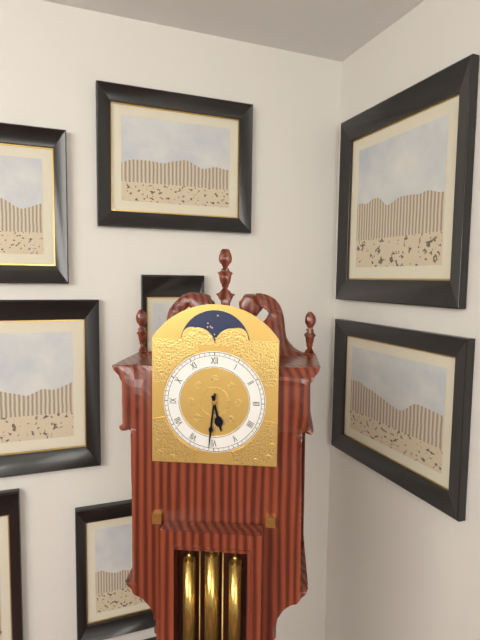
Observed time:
h=5 m=31
